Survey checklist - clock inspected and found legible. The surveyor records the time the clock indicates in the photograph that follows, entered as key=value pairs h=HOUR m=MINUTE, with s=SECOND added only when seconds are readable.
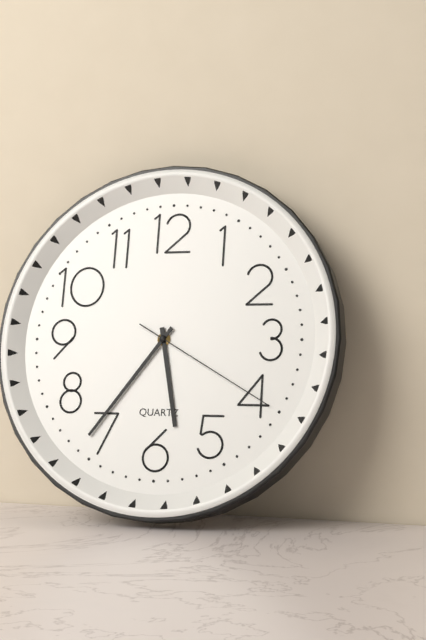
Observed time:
h=5 m=36 s=20
